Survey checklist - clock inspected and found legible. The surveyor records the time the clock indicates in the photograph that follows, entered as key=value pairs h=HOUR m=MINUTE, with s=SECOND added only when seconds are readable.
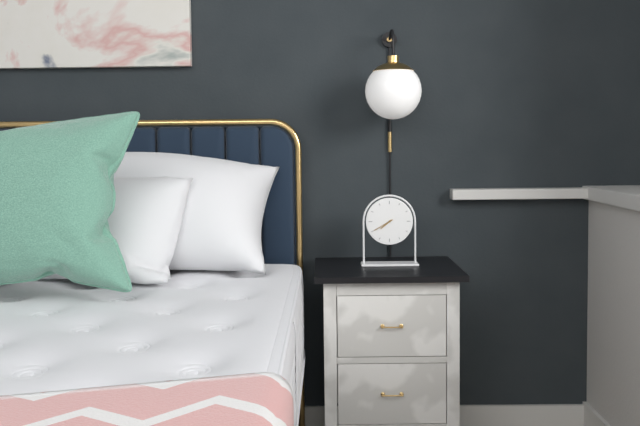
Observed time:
h=7 m=40
